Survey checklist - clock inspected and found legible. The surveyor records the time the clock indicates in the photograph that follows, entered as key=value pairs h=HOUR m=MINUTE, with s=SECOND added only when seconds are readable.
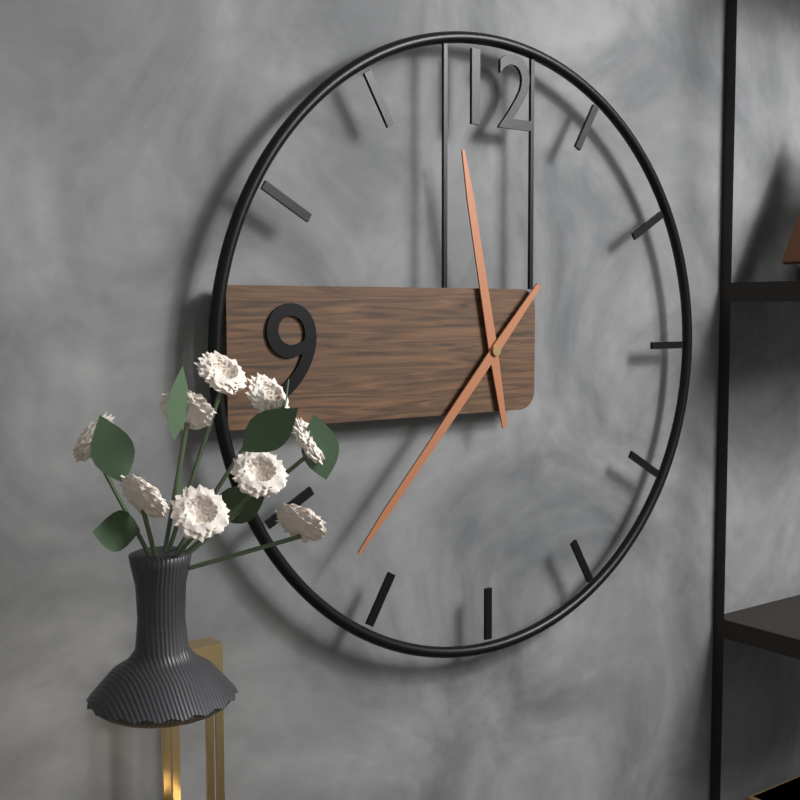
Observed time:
h=11 m=37
